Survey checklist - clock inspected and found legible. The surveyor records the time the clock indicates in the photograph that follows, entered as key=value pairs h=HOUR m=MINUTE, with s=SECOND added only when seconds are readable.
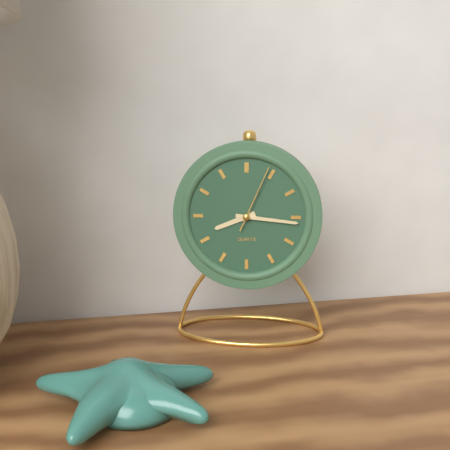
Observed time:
h=8 m=16 s=4
